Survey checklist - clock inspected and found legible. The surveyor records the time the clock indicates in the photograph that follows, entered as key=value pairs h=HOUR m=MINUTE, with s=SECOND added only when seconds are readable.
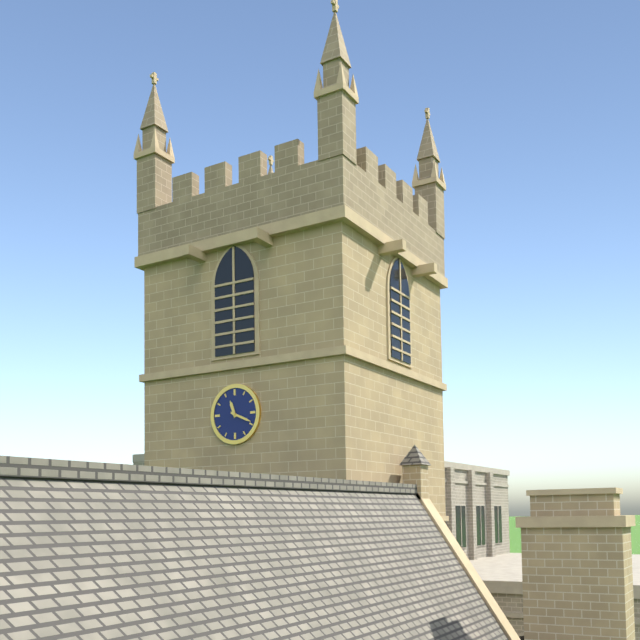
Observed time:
h=11 m=19
